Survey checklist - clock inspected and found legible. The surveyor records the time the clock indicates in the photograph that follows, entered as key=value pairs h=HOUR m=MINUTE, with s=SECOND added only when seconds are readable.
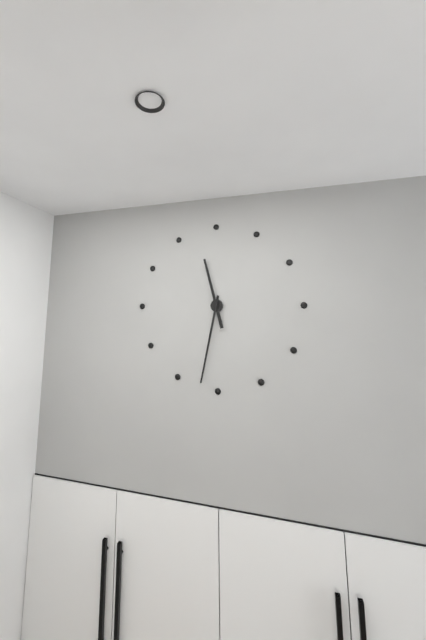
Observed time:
h=11 m=32
